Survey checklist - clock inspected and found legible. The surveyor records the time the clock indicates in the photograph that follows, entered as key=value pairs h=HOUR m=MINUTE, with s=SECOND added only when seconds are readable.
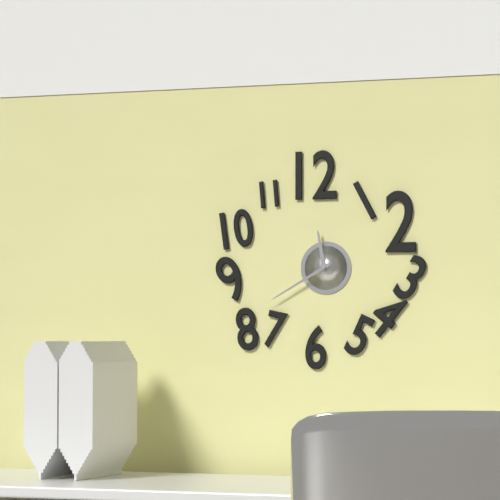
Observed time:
h=11 m=40
